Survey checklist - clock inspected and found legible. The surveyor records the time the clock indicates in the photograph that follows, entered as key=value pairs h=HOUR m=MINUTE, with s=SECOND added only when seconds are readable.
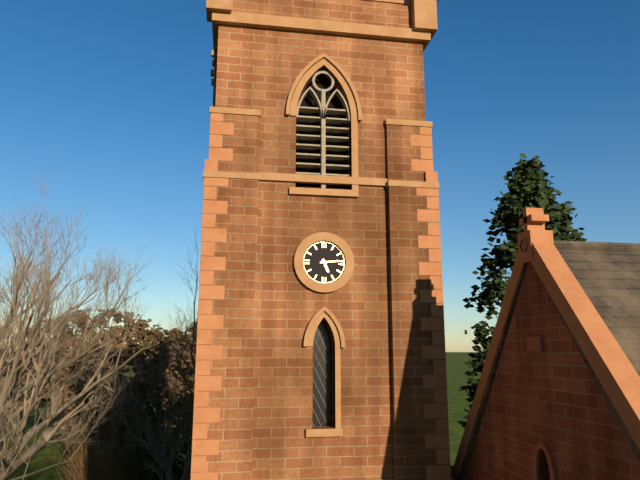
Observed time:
h=5 m=14
